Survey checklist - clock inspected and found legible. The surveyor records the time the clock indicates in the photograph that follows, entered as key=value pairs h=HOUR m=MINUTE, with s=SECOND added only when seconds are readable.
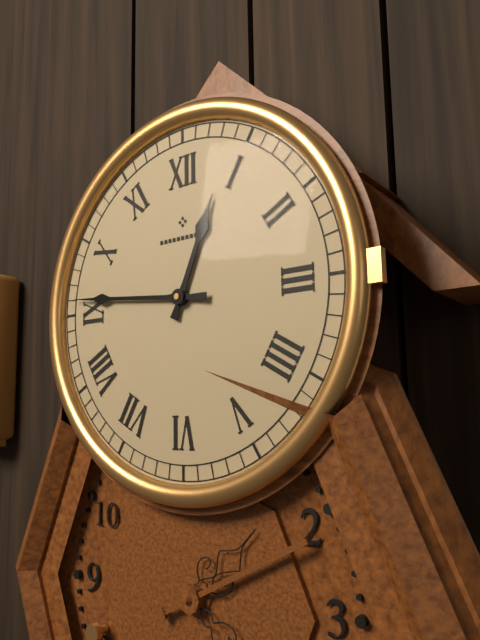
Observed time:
h=12 m=46
